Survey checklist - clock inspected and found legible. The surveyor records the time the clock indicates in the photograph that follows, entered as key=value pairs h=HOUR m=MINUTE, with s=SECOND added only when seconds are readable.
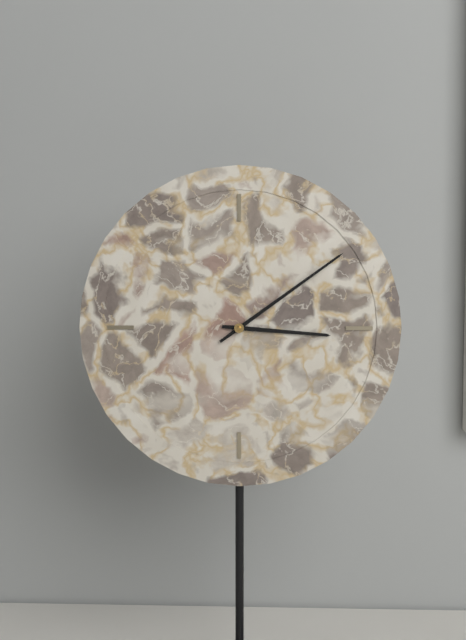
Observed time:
h=3 m=9
